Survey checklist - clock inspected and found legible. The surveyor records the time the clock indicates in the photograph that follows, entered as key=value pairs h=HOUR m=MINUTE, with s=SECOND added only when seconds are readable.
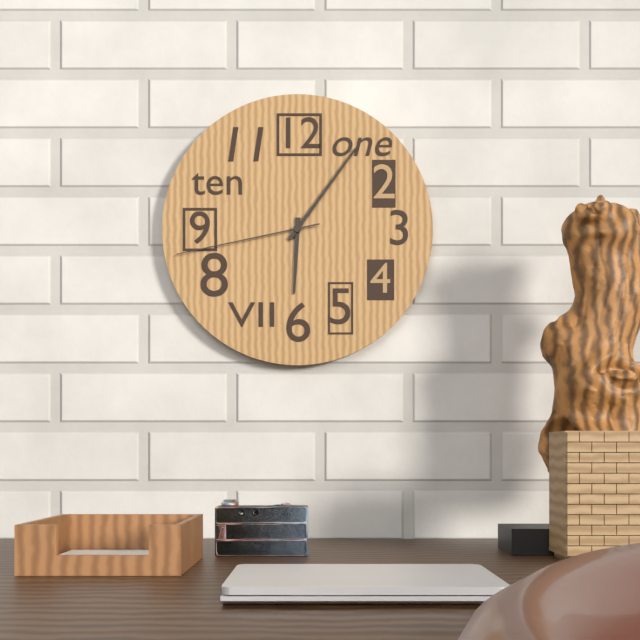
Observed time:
h=6 m=6 s=43
